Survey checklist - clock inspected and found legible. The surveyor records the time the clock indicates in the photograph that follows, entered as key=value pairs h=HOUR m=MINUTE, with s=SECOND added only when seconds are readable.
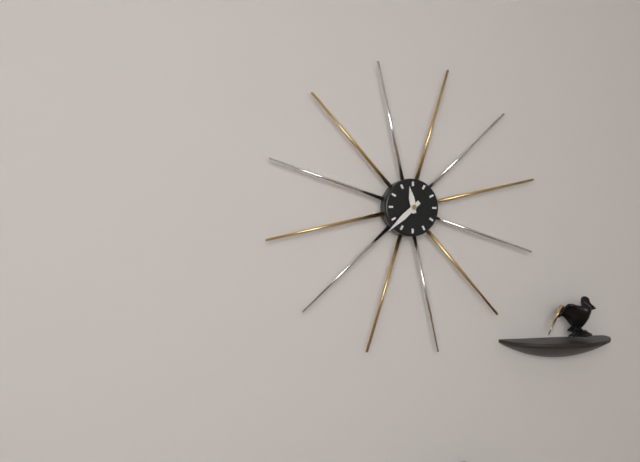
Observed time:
h=11 m=38
